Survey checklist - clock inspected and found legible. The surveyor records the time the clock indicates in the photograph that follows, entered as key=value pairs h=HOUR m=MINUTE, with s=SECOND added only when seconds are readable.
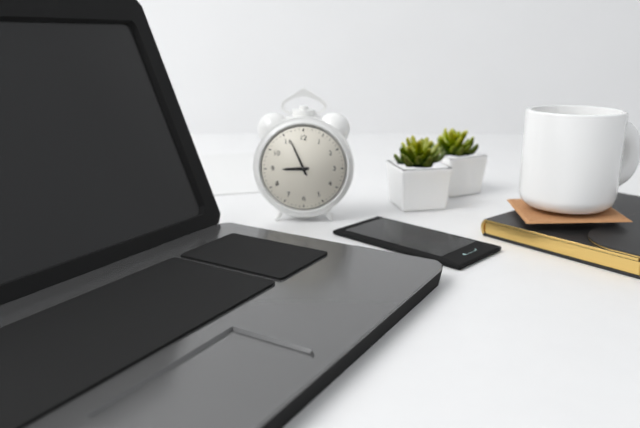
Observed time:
h=8 m=56
